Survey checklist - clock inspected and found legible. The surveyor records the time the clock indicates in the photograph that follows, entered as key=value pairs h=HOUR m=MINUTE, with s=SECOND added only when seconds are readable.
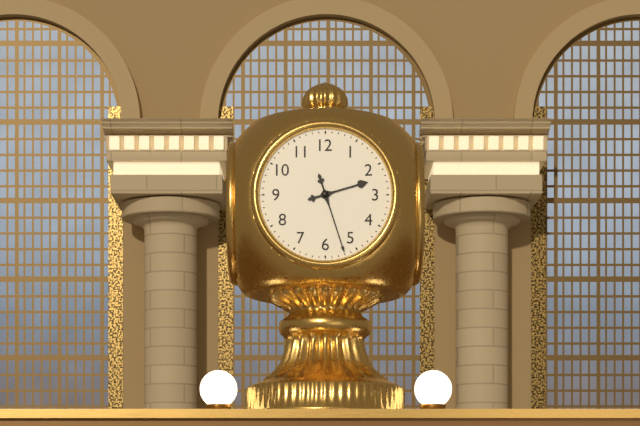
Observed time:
h=2 m=27
